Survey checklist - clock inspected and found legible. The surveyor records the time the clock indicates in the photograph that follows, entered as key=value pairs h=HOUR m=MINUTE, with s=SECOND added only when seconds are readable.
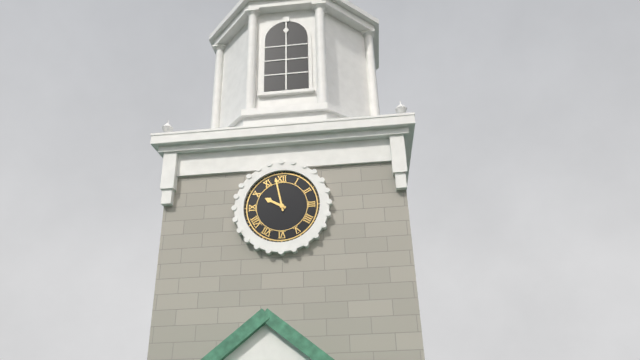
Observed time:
h=9 m=58
